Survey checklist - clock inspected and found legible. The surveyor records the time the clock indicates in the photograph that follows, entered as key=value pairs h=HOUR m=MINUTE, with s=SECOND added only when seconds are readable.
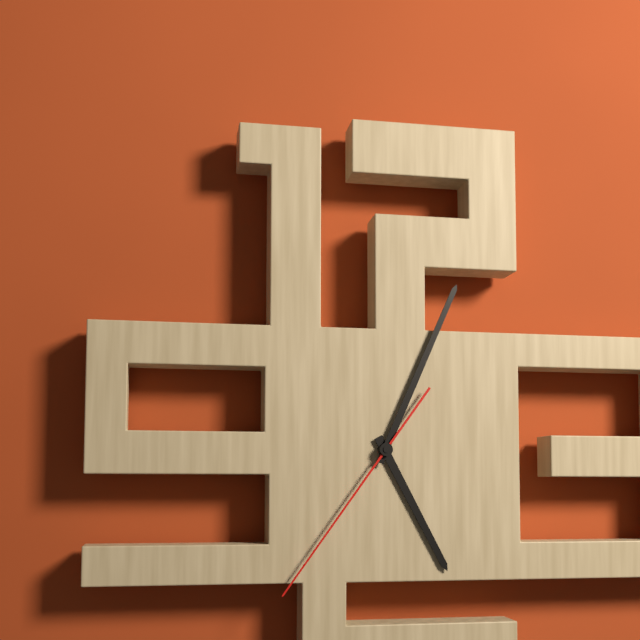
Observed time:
h=5 m=4 s=36
